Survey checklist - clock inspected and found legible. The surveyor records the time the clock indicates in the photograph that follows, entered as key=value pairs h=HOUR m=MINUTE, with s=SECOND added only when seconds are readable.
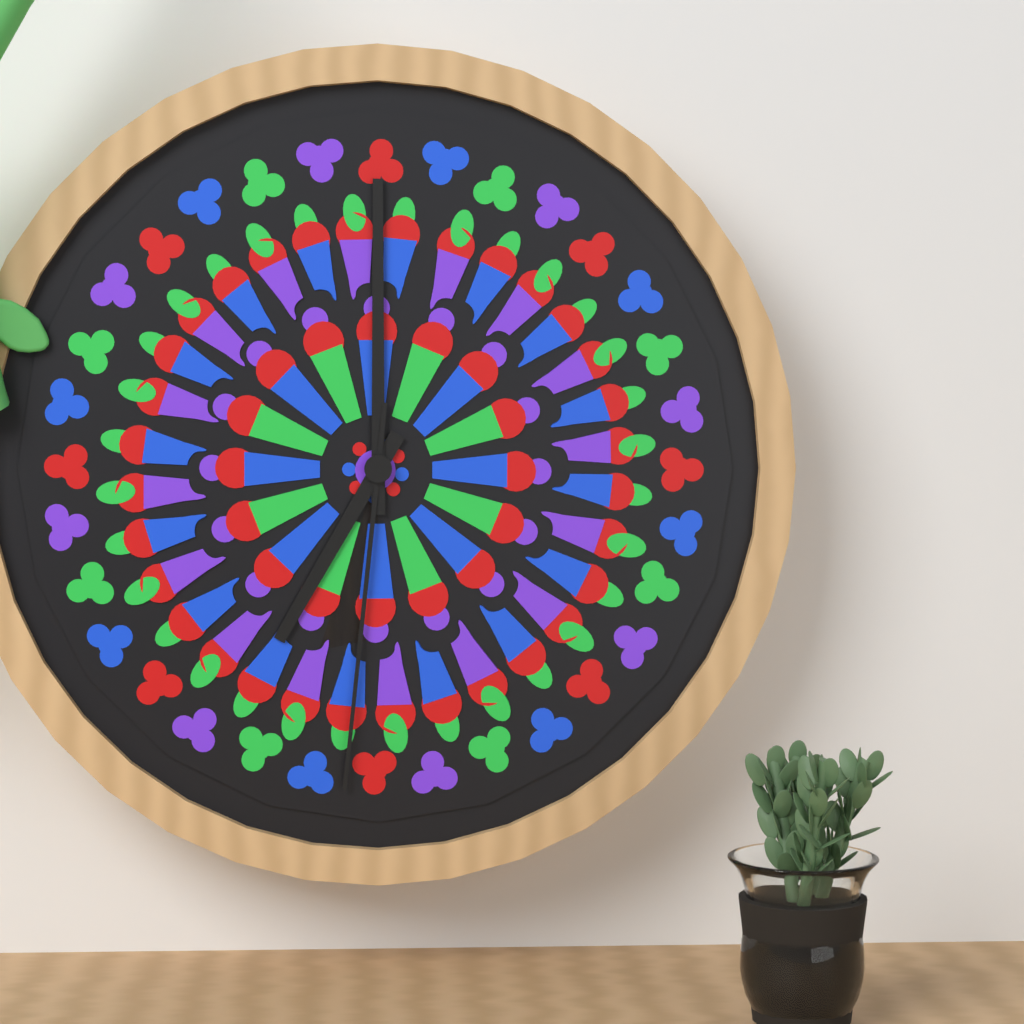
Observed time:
h=7 m=0 s=31
